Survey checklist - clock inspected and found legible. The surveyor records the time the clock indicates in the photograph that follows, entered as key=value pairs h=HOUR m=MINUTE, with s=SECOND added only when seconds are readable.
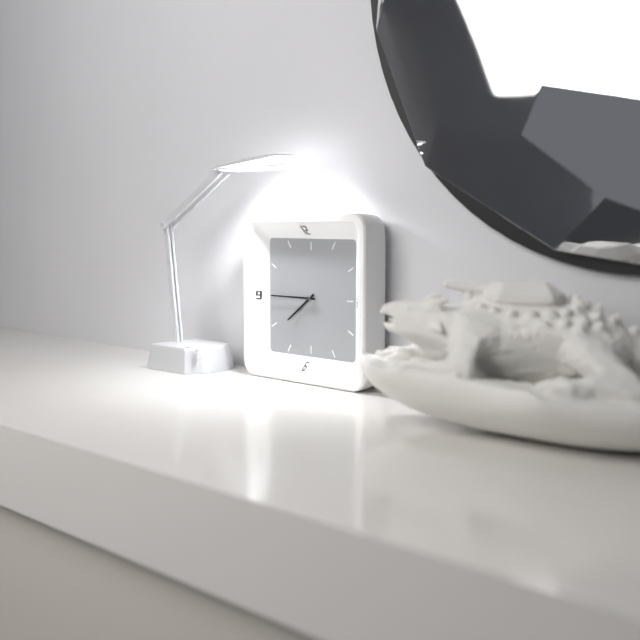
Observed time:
h=7 m=45
